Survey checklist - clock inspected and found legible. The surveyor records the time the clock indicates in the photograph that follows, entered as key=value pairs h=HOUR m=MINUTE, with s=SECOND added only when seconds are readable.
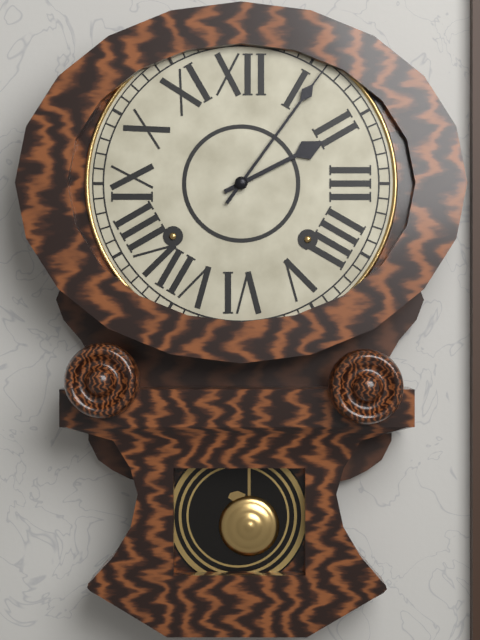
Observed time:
h=2 m=6
